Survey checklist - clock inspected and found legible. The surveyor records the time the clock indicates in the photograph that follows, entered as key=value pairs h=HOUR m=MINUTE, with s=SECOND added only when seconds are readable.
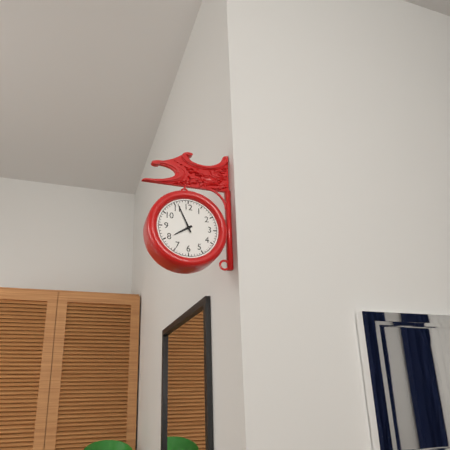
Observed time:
h=7 m=56
